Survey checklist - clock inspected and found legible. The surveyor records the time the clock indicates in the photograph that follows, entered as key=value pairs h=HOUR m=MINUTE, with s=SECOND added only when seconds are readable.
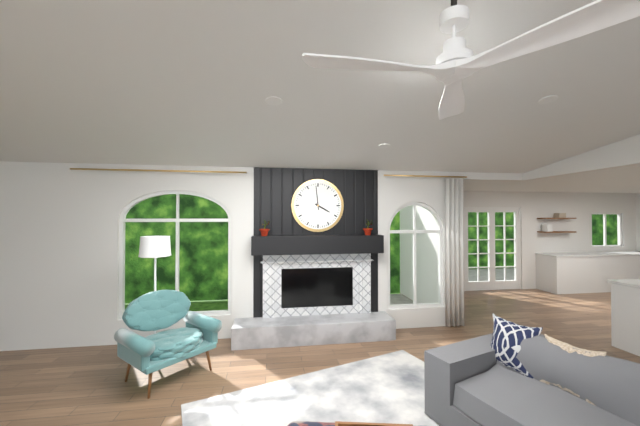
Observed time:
h=3 m=59
